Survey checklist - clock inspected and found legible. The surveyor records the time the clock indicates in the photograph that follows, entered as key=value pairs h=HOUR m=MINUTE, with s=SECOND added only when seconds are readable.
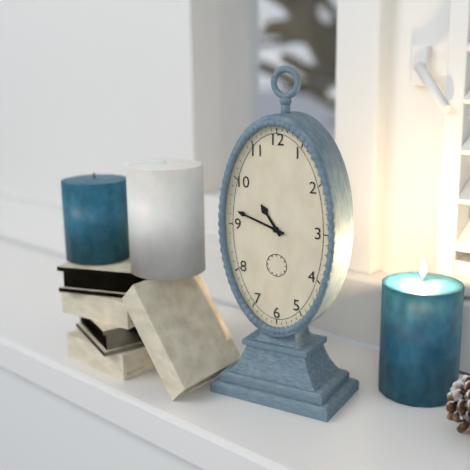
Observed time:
h=10 m=48
